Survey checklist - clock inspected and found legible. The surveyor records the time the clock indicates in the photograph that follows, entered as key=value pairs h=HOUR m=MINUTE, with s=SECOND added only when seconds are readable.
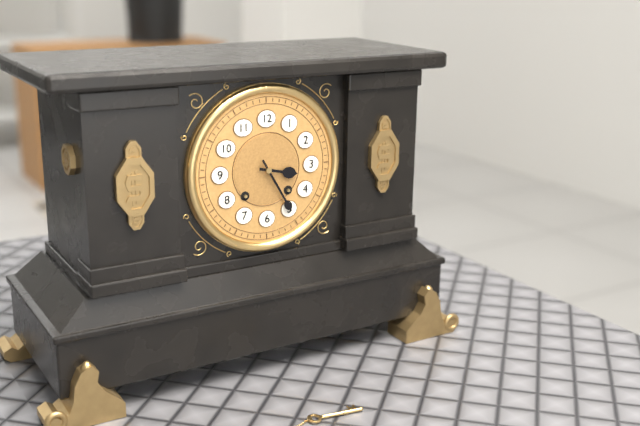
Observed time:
h=3 m=25
